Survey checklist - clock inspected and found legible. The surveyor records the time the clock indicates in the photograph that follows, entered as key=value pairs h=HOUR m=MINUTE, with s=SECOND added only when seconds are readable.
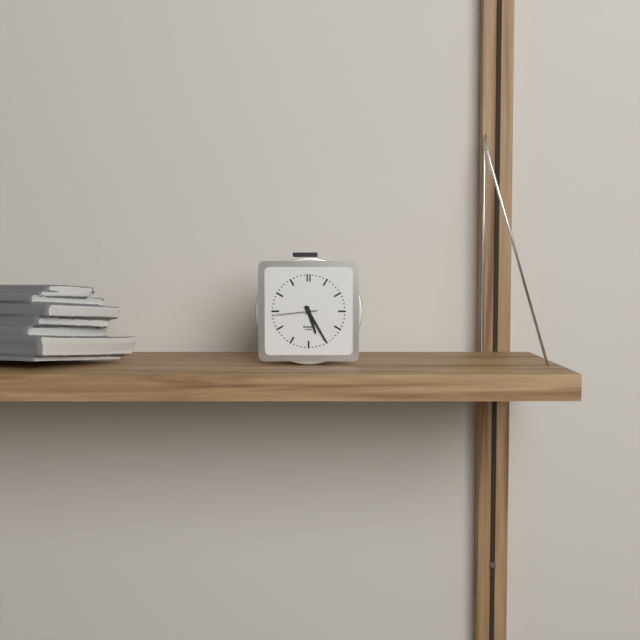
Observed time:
h=5 m=25
